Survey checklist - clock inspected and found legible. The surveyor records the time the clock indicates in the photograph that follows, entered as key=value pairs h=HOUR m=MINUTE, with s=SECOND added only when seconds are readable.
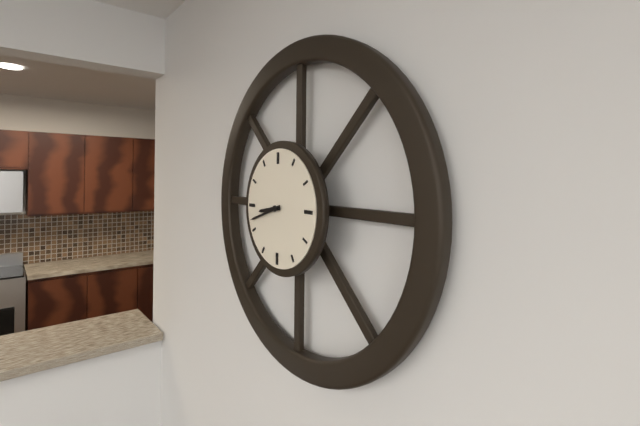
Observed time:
h=8 m=42
